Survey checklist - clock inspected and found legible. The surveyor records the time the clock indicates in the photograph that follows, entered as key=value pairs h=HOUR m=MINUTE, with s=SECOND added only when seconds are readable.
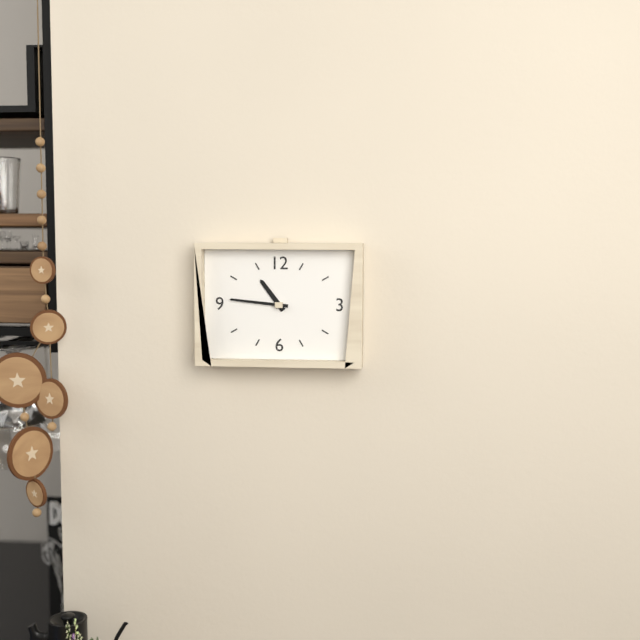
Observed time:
h=10 m=46
